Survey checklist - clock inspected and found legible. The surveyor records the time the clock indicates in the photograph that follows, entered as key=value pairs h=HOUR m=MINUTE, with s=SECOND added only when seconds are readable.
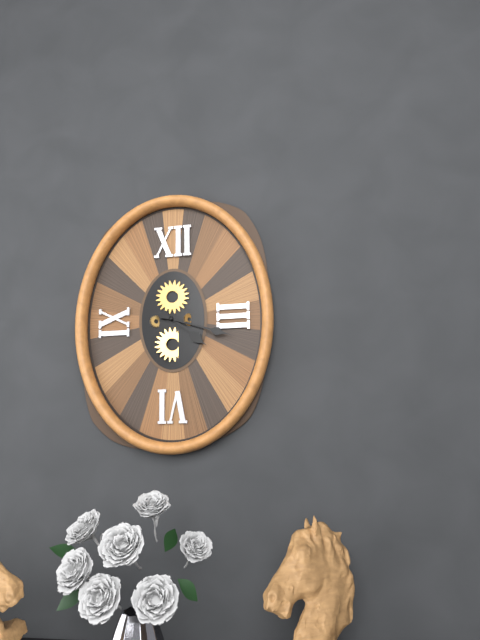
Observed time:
h=4 m=18
